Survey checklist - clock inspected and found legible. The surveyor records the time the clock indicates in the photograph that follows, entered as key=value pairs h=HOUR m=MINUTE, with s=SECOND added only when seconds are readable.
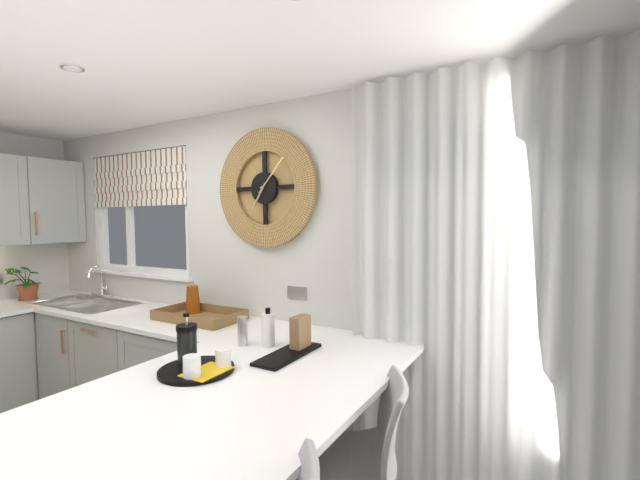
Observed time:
h=7 m=7
